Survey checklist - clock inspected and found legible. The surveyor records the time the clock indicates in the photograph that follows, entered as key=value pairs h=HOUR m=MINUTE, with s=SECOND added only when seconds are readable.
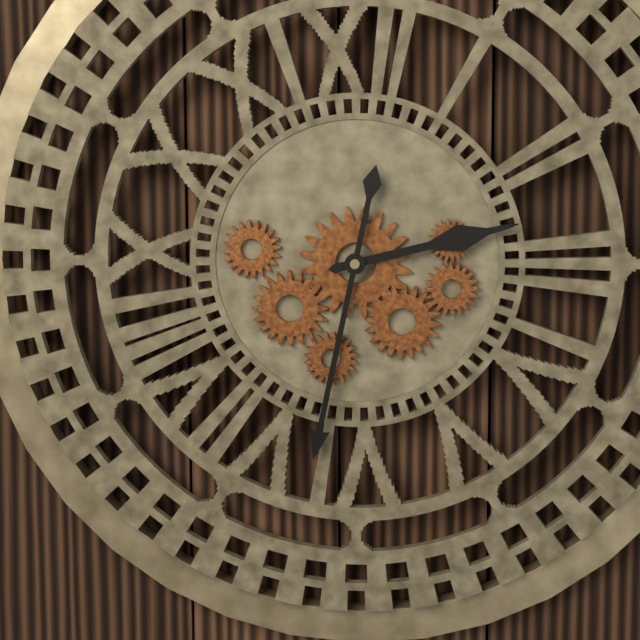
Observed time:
h=2 m=32
